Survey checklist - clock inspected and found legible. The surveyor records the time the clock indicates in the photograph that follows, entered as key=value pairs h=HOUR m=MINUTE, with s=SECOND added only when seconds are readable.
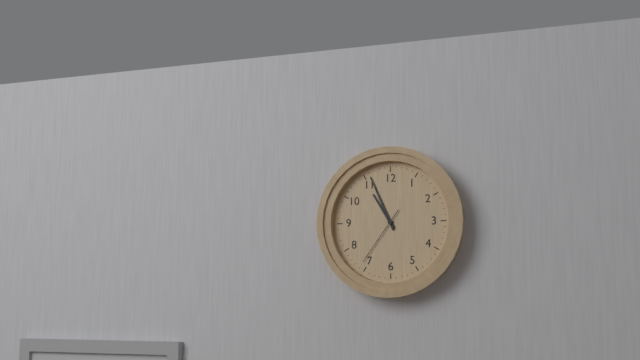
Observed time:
h=10 m=56 s=36
